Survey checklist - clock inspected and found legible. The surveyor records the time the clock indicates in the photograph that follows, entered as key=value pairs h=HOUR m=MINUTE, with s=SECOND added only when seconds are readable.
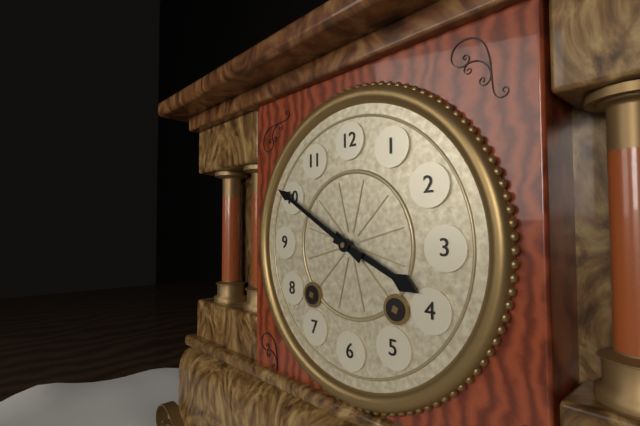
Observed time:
h=3 m=50
